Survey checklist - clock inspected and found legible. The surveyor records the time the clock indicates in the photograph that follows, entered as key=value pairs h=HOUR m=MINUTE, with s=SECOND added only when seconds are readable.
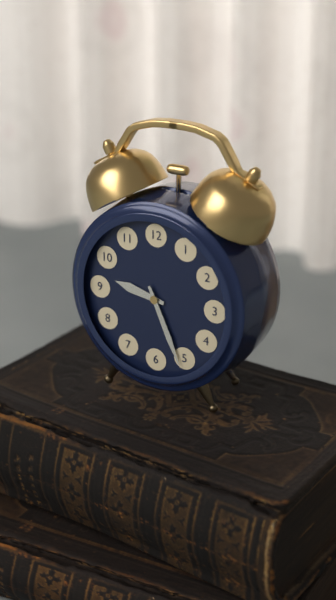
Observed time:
h=9 m=26
